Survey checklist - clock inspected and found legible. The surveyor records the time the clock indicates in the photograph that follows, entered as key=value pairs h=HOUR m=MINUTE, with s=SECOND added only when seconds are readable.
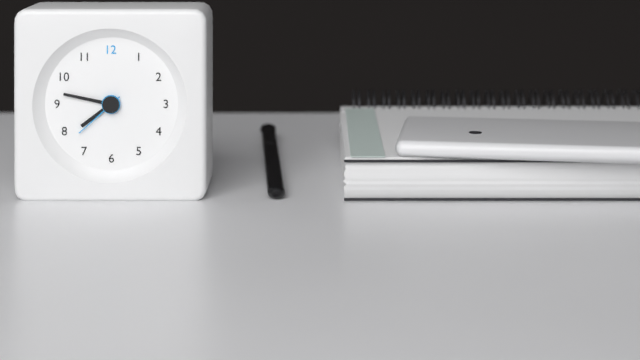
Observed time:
h=7 m=47 s=38
